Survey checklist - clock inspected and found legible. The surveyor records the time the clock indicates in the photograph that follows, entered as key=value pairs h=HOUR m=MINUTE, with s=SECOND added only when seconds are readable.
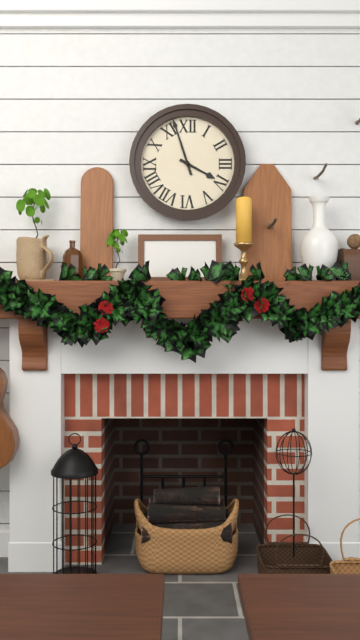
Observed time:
h=3 m=57
